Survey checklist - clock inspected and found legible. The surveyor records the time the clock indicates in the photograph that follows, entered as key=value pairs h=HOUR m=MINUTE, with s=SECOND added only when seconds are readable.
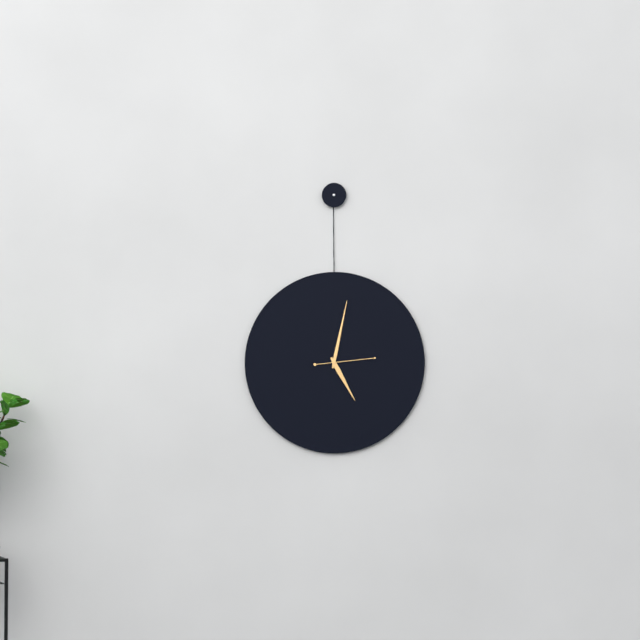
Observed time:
h=5 m=2 s=14
